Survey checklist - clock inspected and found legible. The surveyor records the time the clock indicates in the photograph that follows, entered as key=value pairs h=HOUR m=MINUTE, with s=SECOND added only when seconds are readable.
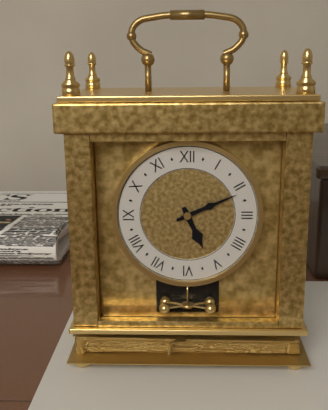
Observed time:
h=5 m=11
